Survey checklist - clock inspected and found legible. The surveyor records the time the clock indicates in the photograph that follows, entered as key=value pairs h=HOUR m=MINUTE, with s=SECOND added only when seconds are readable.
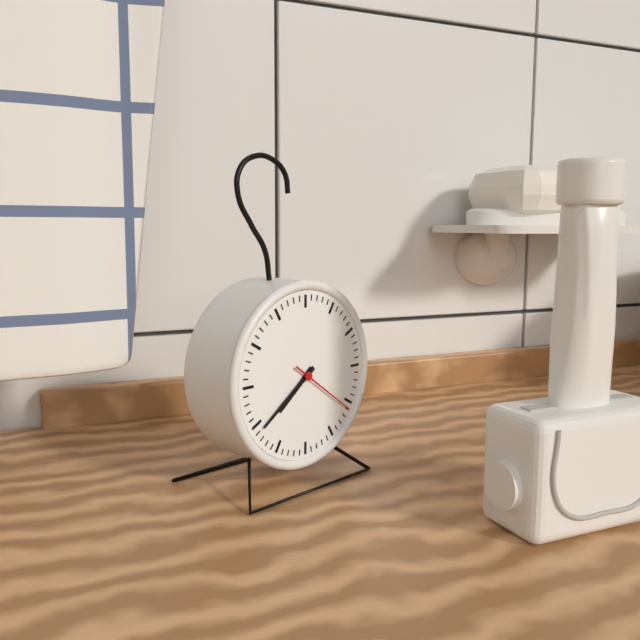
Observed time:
h=7 m=39 s=21
